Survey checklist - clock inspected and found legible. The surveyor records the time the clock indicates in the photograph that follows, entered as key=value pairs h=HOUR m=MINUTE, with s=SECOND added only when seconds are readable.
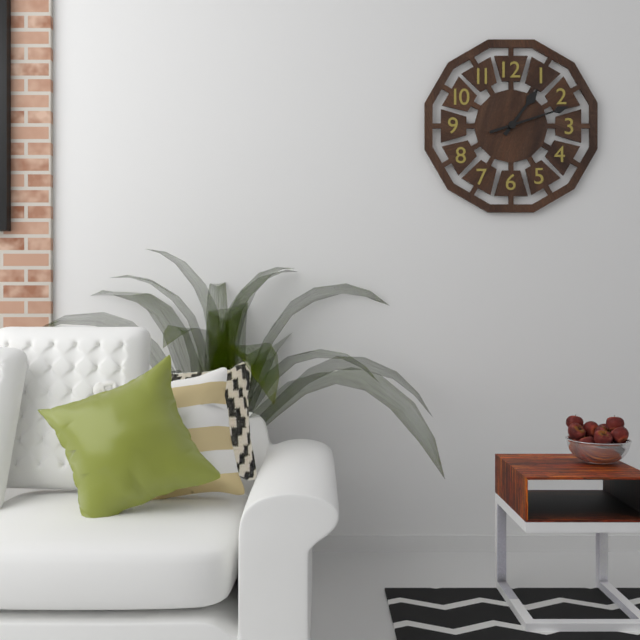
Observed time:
h=1 m=12
